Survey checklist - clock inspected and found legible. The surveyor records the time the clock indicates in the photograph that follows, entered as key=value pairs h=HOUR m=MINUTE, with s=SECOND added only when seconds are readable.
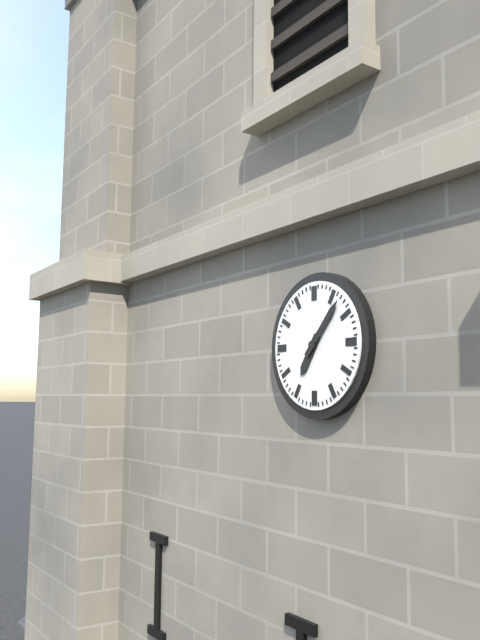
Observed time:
h=7 m=7
